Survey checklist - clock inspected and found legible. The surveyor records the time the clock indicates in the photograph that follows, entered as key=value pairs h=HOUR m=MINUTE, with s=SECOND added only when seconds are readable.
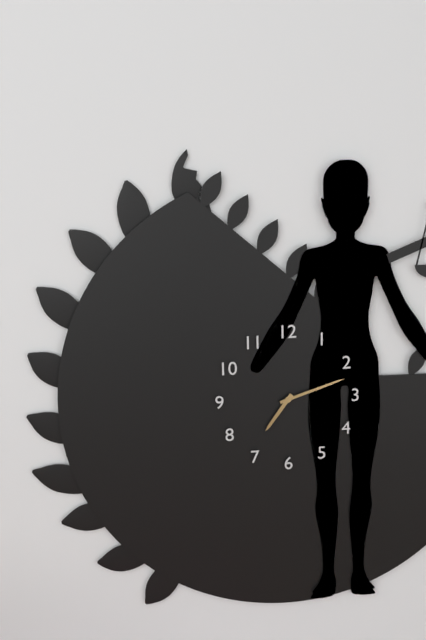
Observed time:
h=7 m=12
